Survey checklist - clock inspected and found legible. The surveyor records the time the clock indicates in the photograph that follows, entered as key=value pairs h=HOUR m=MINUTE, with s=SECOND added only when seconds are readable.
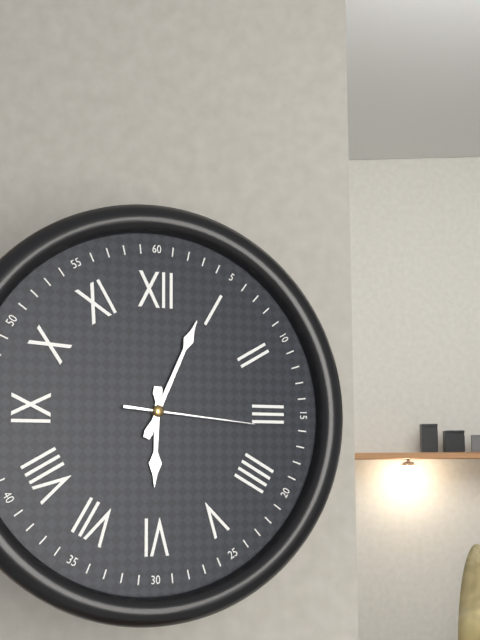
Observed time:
h=6 m=4 s=16
